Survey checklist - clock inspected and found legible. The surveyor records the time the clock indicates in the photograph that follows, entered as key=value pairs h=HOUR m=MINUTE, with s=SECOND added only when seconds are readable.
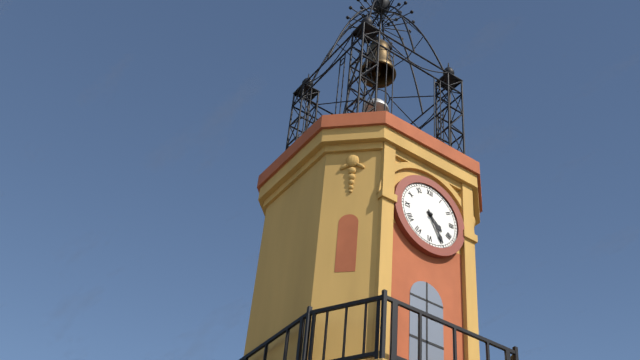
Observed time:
h=4 m=25
